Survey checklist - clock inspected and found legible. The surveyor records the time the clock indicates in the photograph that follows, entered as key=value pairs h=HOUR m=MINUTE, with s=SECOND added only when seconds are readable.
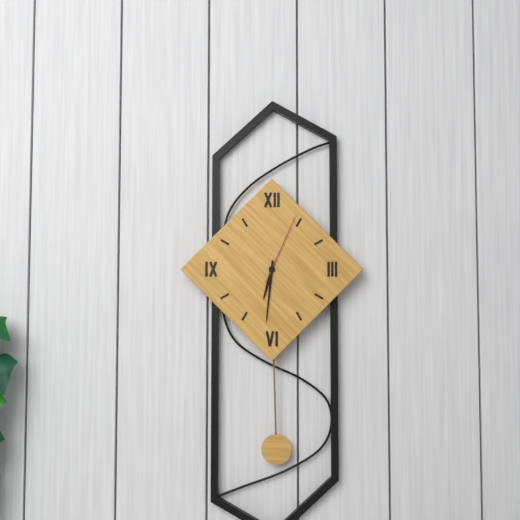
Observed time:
h=6 m=31 s=4
